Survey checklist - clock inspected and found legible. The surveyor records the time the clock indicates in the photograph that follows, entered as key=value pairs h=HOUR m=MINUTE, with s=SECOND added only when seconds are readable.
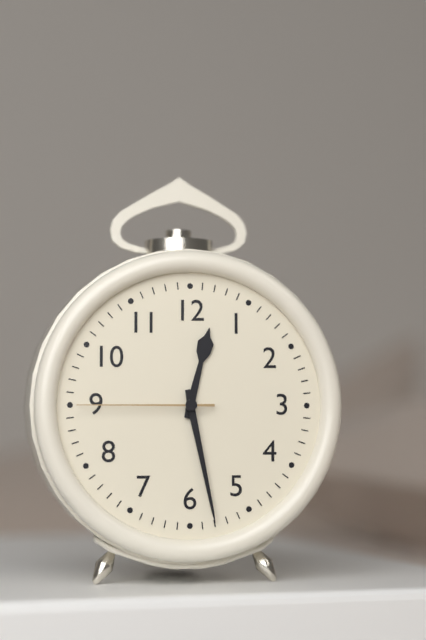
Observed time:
h=12 m=28 s=45
